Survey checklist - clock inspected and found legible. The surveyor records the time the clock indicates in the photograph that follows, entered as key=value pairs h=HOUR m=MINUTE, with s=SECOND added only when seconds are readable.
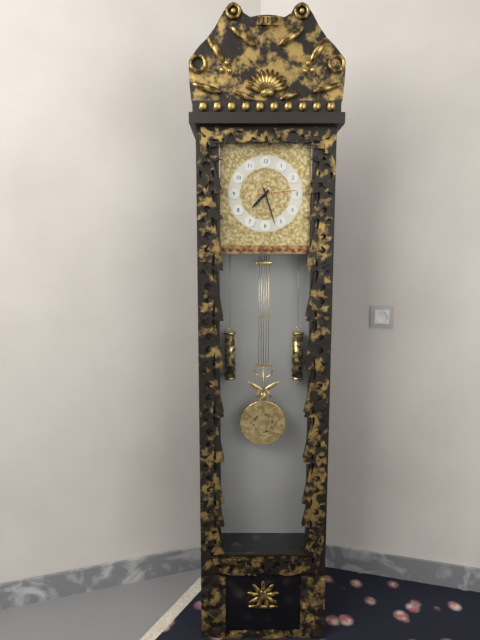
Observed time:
h=7 m=27
